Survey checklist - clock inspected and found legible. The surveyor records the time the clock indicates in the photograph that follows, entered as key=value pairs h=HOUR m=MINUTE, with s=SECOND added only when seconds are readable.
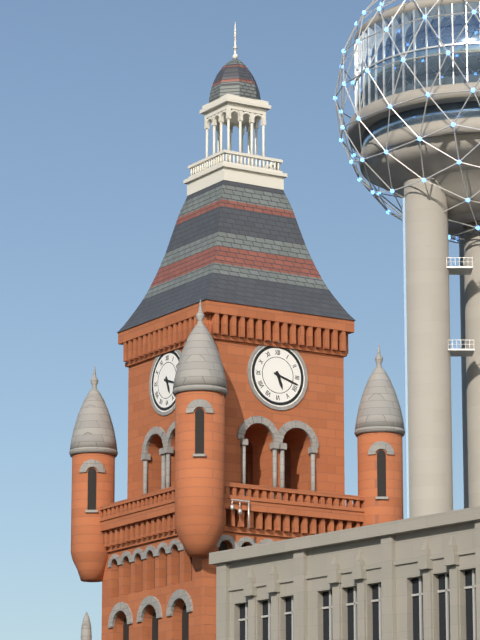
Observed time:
h=5 m=18
